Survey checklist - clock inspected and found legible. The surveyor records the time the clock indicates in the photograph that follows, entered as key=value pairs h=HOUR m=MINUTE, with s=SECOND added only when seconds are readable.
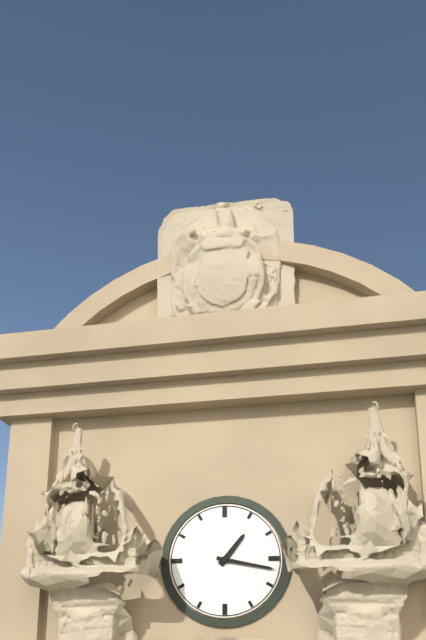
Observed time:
h=1 m=17
